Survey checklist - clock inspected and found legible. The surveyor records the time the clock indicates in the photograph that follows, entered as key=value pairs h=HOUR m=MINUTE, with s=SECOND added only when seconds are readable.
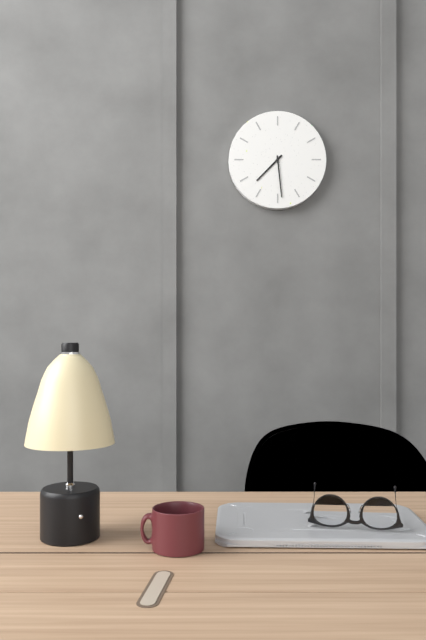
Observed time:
h=7 m=29
